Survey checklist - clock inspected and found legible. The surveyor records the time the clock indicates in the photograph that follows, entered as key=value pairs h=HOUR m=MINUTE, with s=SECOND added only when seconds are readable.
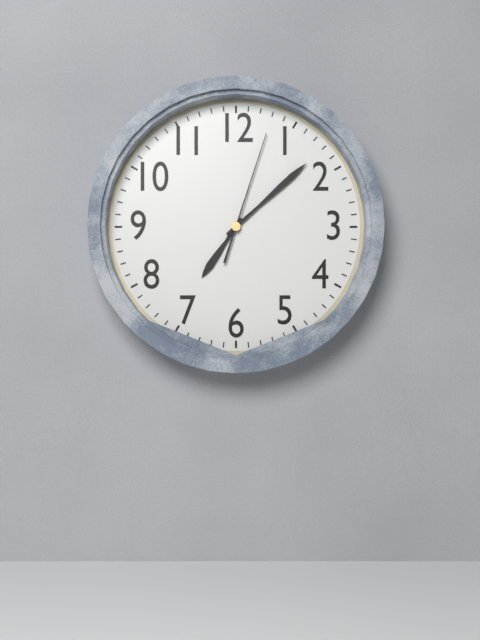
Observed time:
h=7 m=8 s=3
